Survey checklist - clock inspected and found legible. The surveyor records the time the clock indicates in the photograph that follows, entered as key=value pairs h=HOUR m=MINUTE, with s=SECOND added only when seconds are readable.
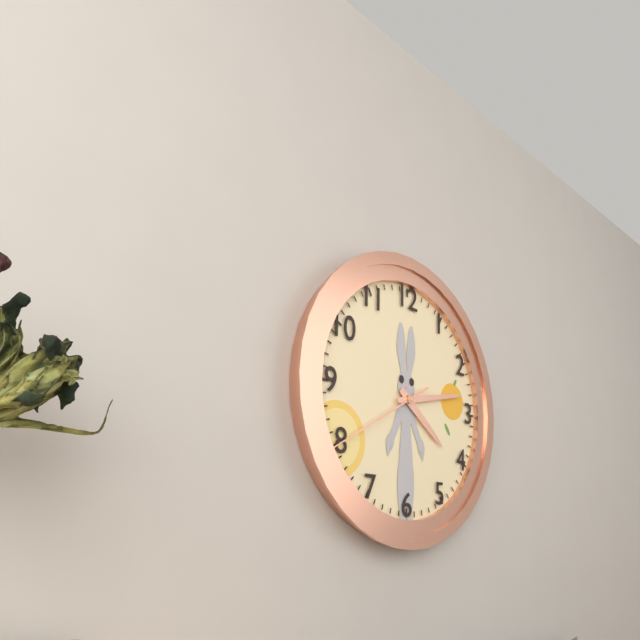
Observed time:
h=4 m=13 s=40
